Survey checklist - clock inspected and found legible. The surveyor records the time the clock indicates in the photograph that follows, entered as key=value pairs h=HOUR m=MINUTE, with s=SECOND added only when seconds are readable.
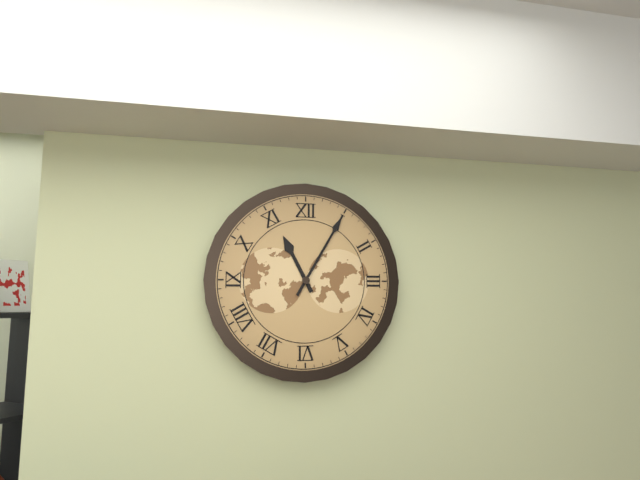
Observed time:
h=11 m=5
